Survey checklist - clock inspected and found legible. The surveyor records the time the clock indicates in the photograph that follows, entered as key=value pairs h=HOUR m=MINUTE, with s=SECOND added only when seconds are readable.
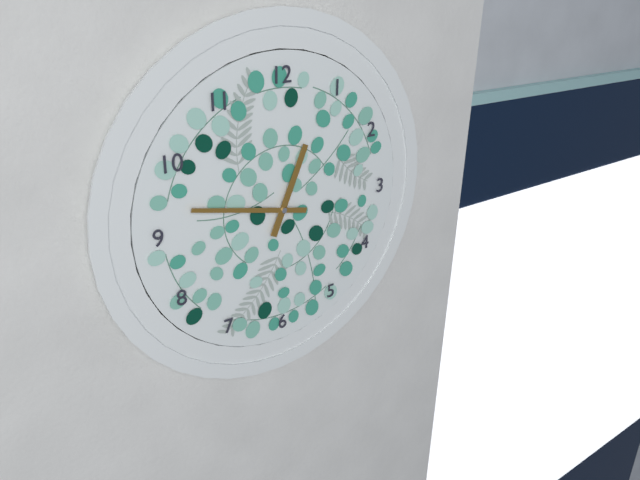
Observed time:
h=12 m=47
